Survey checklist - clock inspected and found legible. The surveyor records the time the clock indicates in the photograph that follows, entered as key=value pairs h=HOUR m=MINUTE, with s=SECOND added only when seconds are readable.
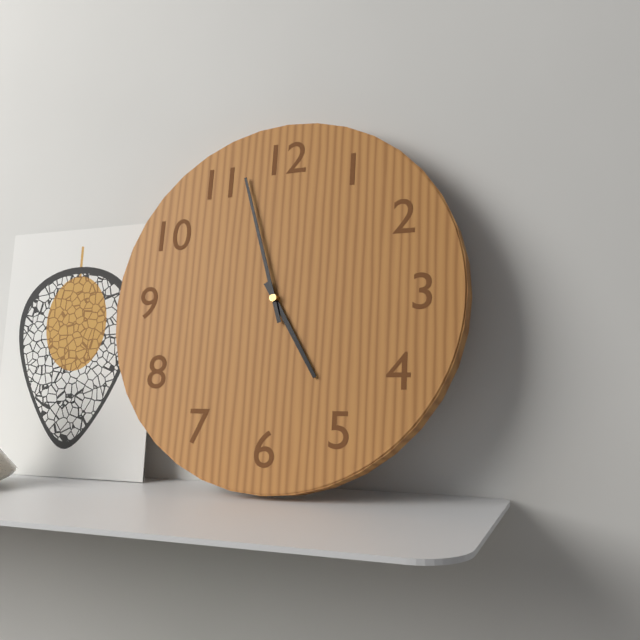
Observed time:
h=4 m=57
